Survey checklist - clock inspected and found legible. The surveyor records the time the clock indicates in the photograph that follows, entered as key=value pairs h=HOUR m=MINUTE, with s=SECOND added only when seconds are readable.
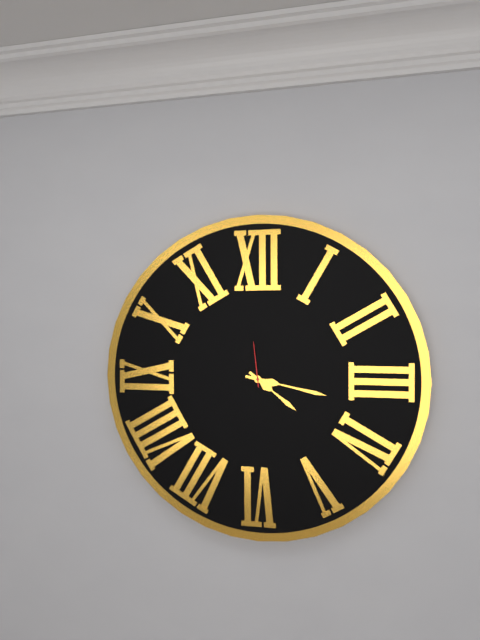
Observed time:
h=4 m=17
